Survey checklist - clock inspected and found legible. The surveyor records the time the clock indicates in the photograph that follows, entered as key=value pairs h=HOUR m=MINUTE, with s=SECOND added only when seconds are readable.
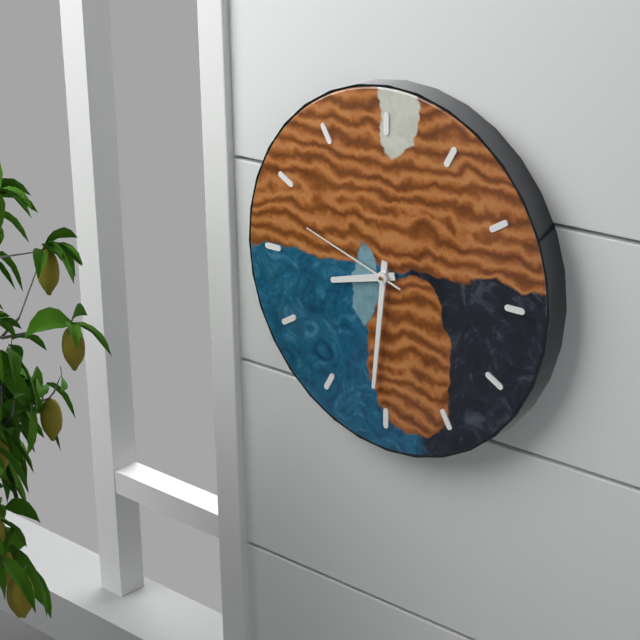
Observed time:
h=8 m=31 s=48
